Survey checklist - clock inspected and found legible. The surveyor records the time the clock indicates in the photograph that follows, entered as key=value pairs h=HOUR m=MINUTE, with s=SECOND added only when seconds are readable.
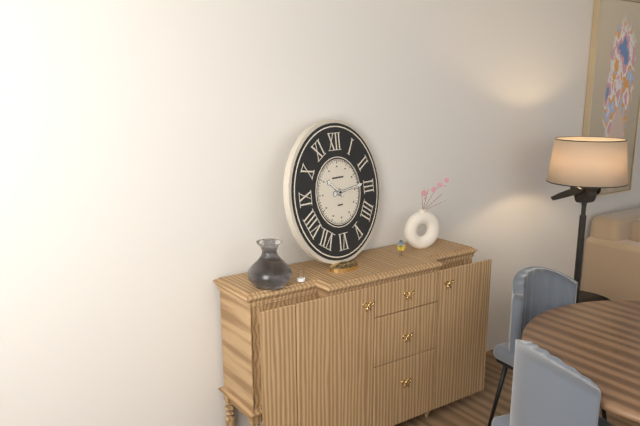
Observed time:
h=10 m=14
